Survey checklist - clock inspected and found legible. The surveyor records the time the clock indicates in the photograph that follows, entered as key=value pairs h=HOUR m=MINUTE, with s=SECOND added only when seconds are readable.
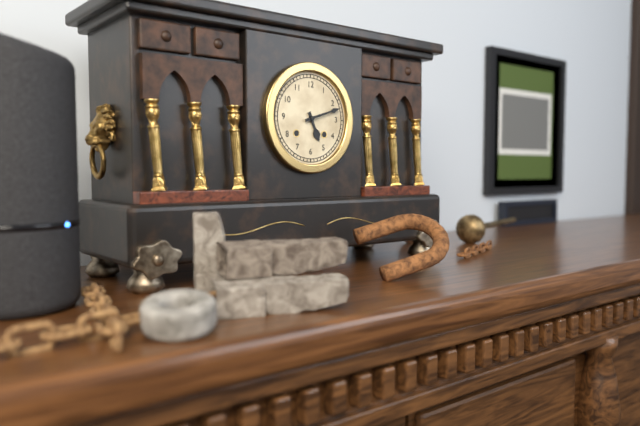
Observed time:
h=5 m=12
